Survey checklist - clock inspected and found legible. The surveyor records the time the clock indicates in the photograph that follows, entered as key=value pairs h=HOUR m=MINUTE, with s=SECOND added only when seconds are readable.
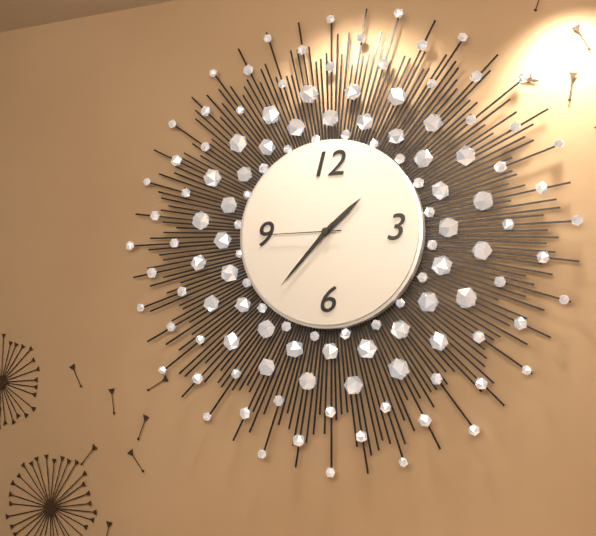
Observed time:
h=1 m=37 s=45
